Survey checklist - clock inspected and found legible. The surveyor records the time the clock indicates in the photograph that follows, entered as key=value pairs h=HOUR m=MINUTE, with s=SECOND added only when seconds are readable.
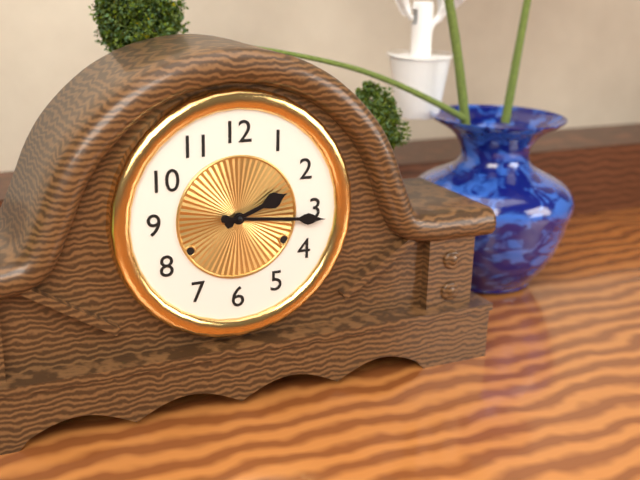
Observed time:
h=2 m=16
